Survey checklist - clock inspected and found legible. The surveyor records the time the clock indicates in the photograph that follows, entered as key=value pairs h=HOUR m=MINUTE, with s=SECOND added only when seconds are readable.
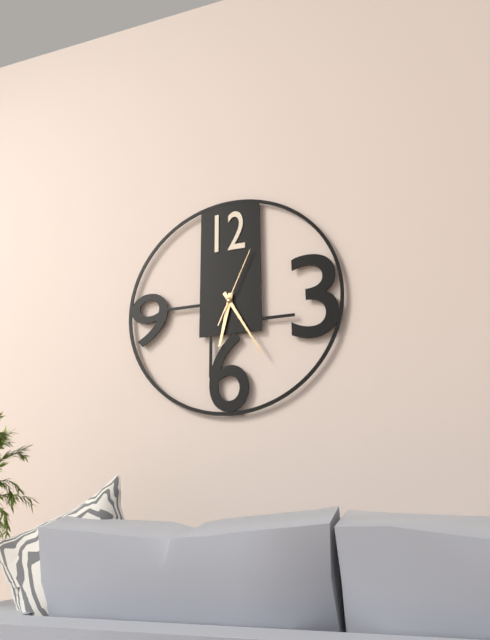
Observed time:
h=6 m=25 s=4
